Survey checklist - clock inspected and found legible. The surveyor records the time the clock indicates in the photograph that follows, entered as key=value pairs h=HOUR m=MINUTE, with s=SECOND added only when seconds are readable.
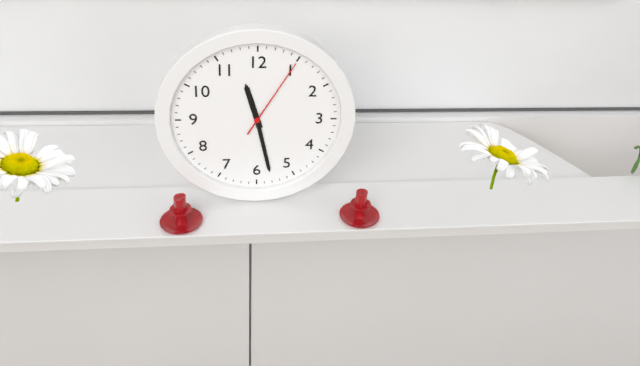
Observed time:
h=11 m=28 s=5
